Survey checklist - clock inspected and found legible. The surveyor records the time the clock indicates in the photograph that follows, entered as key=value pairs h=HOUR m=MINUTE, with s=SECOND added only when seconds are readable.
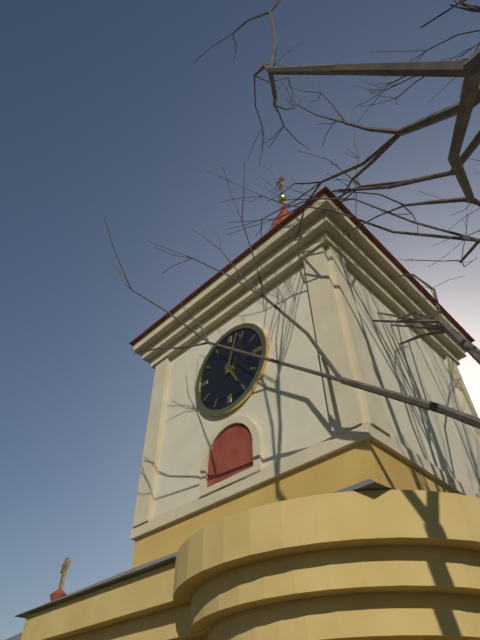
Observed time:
h=5 m=3
